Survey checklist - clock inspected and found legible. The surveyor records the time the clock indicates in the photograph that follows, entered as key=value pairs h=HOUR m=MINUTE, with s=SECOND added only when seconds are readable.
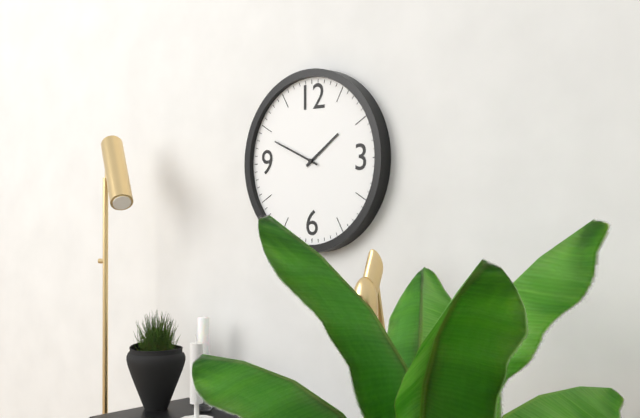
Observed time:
h=1 m=49
